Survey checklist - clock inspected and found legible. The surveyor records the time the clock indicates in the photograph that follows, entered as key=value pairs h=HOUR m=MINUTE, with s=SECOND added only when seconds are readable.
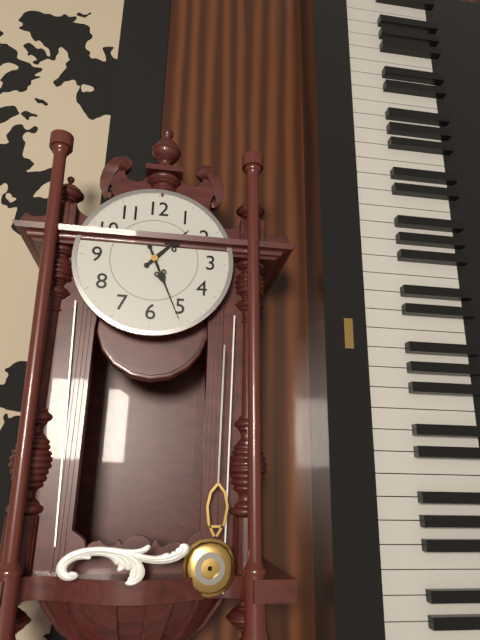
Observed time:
h=1 m=26
